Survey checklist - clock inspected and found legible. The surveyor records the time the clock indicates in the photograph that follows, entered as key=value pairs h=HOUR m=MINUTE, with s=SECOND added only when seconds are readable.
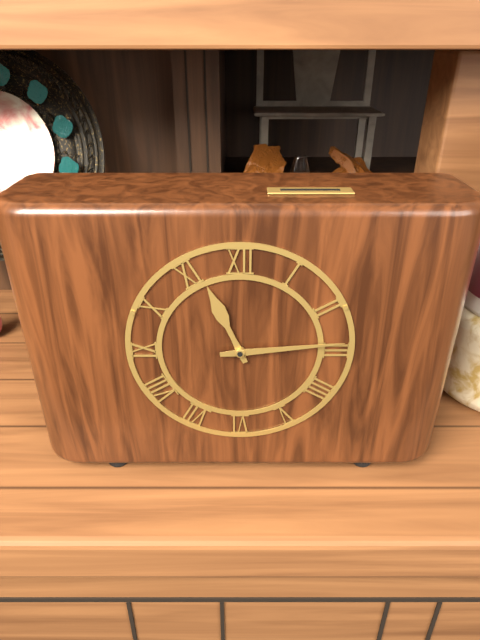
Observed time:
h=11 m=14
